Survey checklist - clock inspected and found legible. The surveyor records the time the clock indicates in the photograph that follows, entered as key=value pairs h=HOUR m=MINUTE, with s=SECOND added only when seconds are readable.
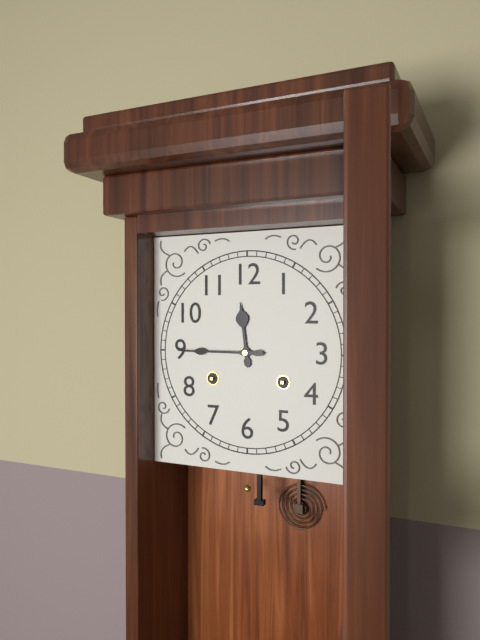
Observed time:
h=11 m=45
